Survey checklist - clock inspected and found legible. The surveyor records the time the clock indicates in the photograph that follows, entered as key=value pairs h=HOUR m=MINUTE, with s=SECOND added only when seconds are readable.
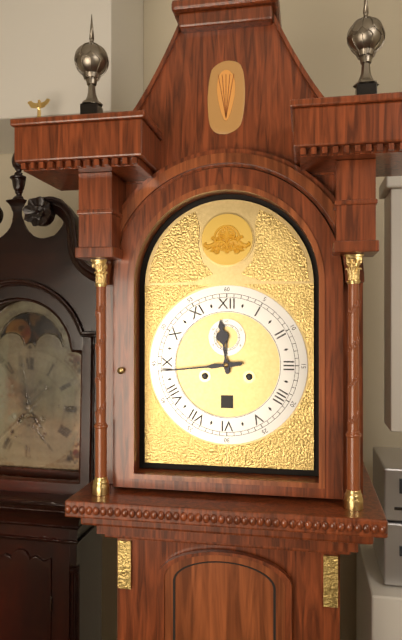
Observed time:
h=11 m=44
